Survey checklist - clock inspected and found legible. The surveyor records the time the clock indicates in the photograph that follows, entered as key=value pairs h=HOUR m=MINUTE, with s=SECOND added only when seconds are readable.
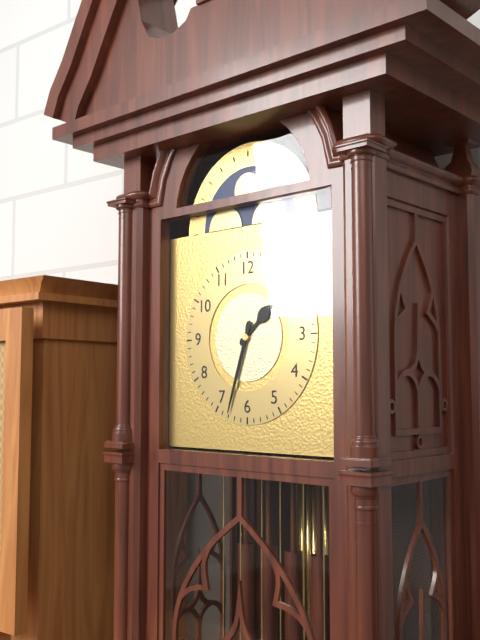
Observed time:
h=1 m=33
